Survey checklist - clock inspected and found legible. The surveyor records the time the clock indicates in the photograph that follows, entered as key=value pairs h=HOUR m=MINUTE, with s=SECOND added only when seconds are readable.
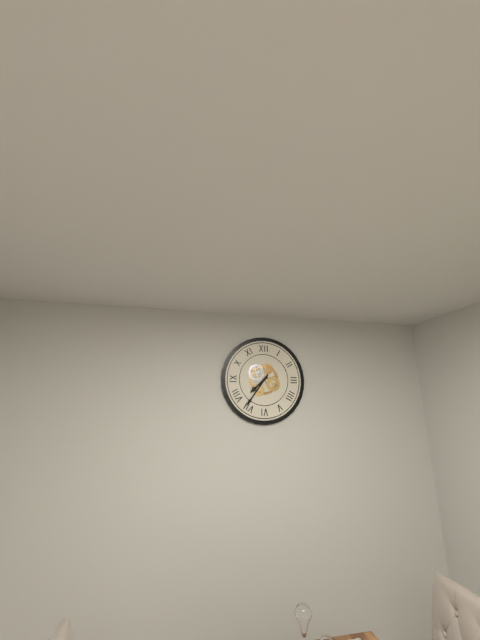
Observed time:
h=7 m=36
